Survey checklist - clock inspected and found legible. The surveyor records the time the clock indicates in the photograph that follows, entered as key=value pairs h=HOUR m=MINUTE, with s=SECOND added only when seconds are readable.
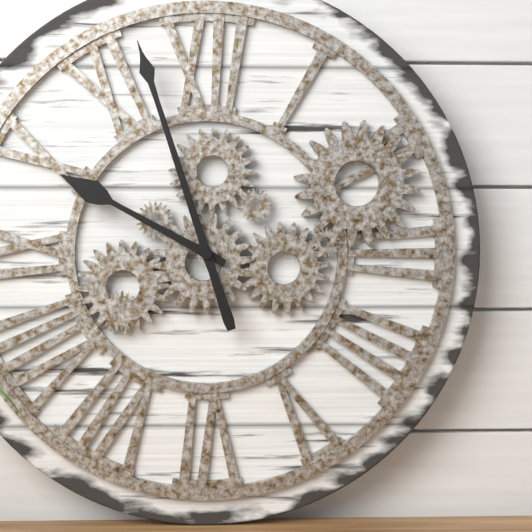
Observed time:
h=9 m=57
